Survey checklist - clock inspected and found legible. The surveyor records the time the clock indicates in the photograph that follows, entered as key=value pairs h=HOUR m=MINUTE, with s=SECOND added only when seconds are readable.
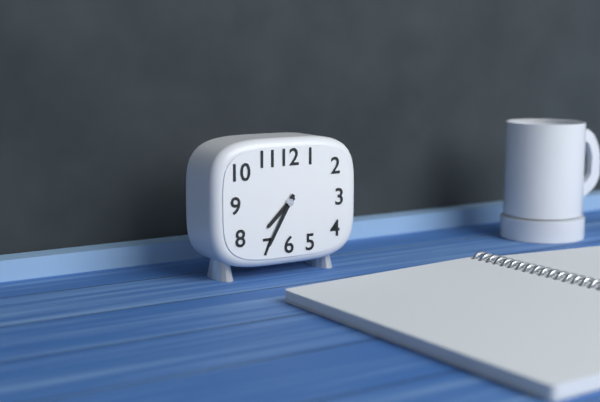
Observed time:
h=7 m=35
